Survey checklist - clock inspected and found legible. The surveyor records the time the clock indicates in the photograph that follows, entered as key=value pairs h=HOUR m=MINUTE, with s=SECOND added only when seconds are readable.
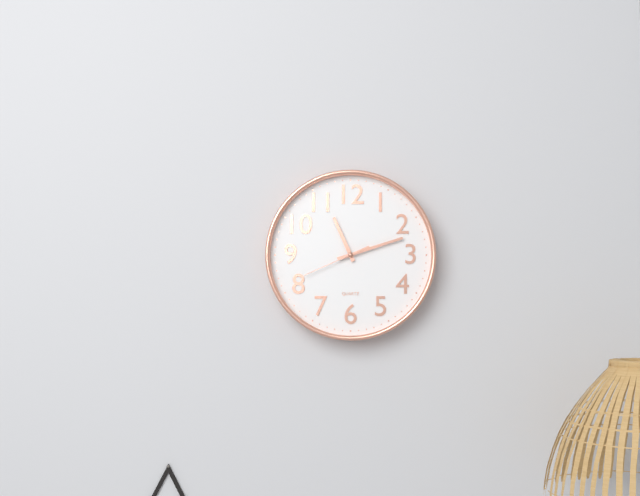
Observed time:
h=11 m=12 s=41
